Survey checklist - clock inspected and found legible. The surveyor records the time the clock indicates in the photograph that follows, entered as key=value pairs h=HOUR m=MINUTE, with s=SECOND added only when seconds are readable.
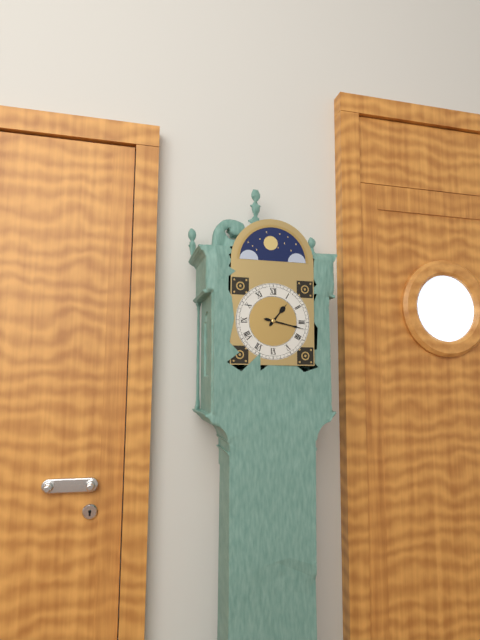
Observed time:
h=1 m=17
